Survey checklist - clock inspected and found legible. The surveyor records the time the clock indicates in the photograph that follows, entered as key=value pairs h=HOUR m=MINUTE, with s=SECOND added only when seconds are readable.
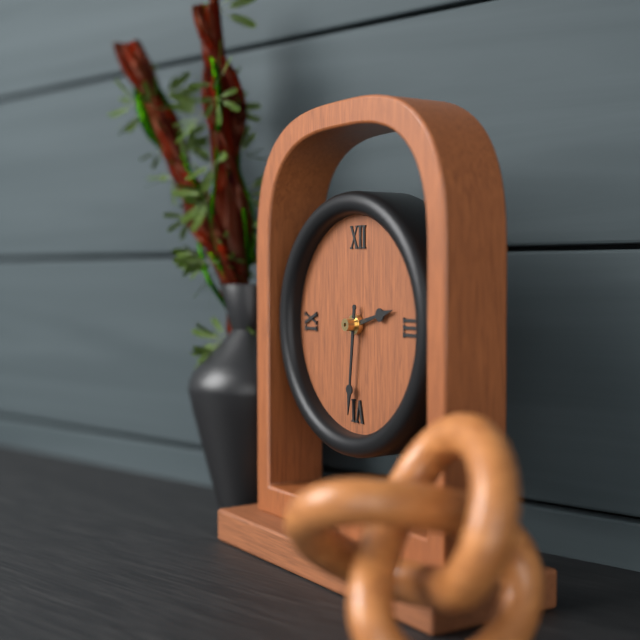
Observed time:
h=2 m=31
